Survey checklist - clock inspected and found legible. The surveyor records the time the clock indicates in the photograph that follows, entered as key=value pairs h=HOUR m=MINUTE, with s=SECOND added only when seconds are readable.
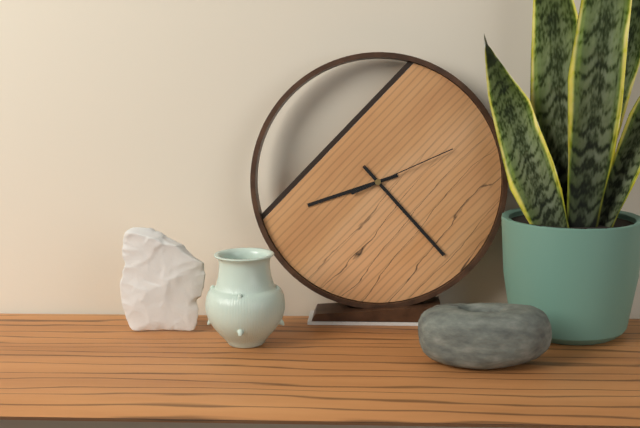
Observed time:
h=8 m=23 s=11
